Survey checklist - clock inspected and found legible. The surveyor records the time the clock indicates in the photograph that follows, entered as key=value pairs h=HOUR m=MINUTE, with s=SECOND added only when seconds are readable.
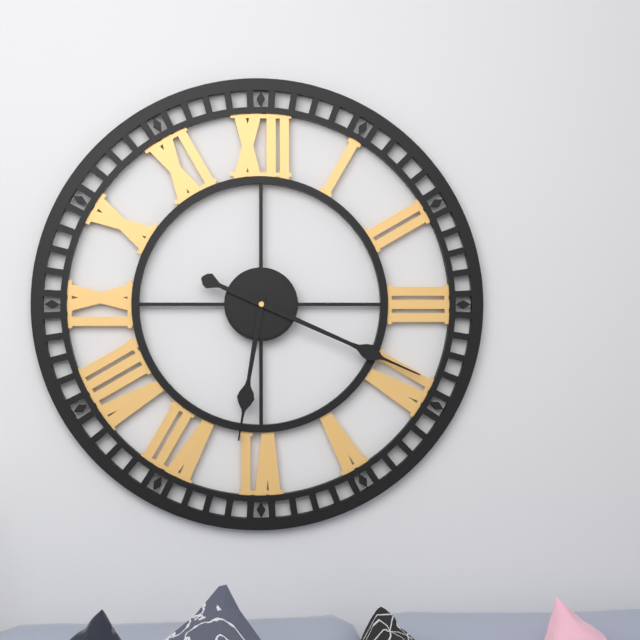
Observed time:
h=6 m=19
